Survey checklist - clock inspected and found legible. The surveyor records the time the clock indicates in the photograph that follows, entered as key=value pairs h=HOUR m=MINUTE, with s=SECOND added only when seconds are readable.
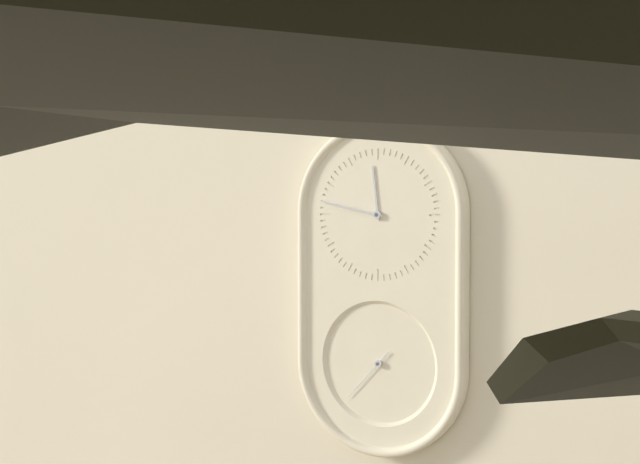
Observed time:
h=11 m=47 s=37
